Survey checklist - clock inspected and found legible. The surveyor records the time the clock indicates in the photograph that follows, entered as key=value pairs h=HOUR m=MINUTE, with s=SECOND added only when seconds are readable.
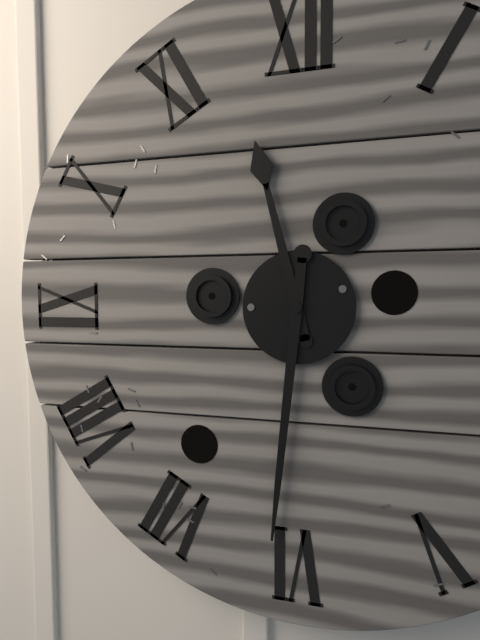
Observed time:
h=11 m=31
